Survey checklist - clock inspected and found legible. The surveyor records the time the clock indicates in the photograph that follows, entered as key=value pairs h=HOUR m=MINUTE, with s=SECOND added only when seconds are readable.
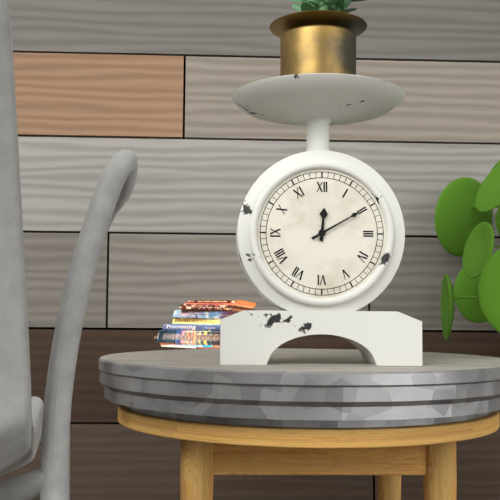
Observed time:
h=12 m=10
